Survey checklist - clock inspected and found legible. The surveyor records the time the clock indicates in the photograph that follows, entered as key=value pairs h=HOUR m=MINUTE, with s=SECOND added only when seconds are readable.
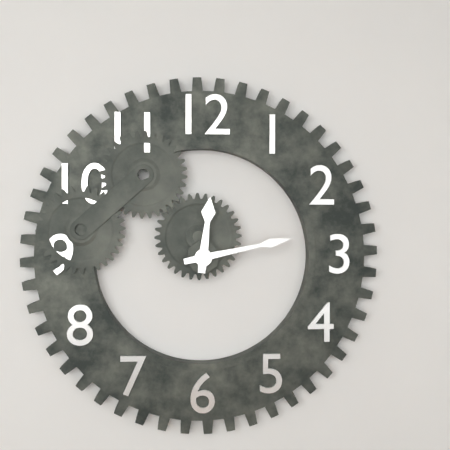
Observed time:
h=12 m=13
